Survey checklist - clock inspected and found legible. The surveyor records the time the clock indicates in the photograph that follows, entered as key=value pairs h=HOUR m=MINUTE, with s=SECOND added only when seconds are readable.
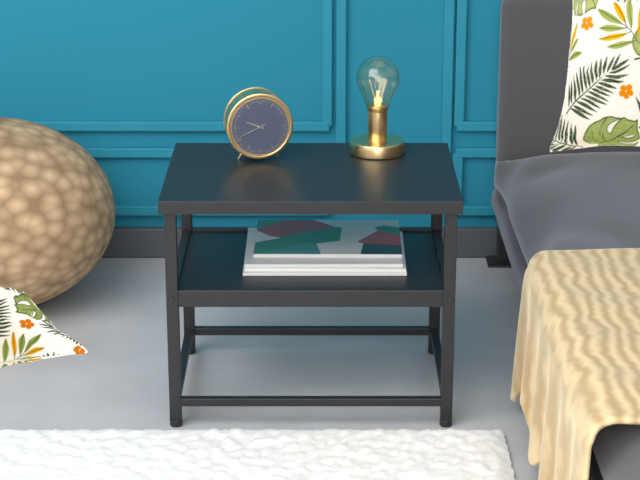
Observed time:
h=9 m=41
